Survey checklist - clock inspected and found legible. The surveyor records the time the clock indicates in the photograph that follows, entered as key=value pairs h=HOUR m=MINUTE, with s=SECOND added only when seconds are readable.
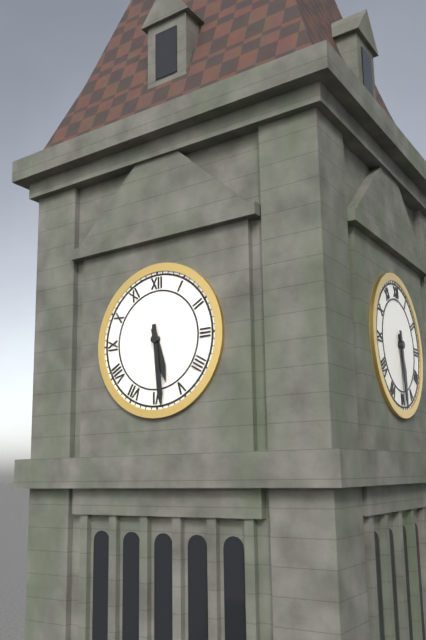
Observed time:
h=5 m=29
